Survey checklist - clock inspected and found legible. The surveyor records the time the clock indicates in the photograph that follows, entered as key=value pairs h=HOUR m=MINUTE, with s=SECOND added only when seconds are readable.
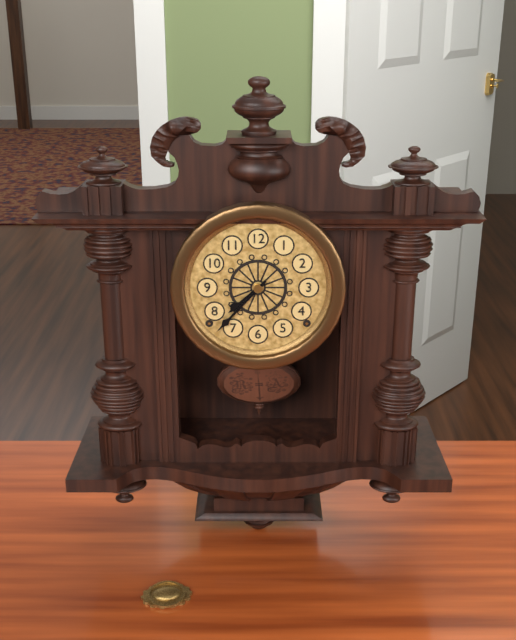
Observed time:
h=7 m=37
